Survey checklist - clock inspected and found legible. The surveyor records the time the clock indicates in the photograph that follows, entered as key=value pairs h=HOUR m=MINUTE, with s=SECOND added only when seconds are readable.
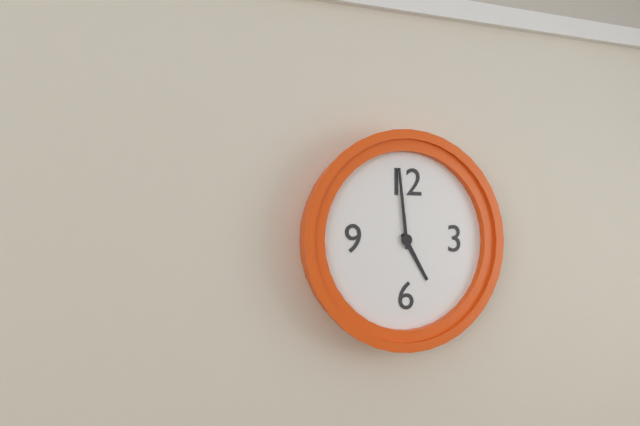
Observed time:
h=4 m=59
